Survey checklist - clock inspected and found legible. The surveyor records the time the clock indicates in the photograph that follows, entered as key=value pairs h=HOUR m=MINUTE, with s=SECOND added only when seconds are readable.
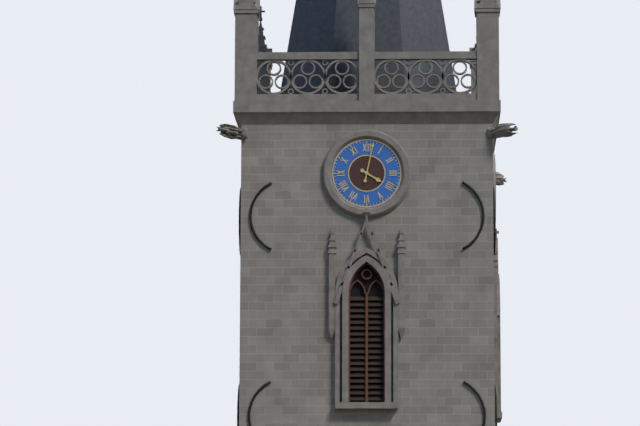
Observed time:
h=4 m=2
